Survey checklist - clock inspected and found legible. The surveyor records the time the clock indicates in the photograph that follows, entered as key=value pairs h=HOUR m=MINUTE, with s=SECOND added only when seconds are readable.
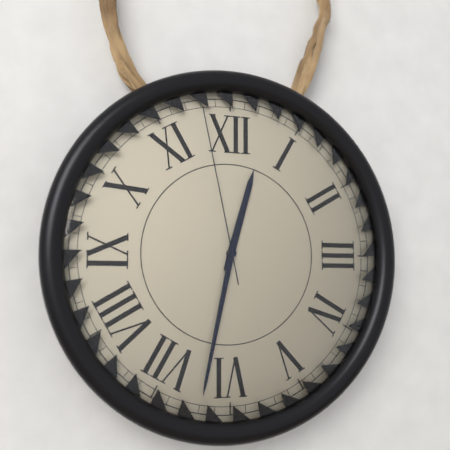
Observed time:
h=12 m=32 s=58
